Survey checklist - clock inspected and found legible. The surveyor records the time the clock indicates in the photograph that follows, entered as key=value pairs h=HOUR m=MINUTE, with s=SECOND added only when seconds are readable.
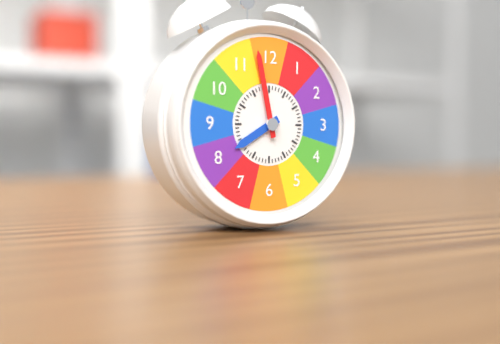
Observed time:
h=7 m=58
